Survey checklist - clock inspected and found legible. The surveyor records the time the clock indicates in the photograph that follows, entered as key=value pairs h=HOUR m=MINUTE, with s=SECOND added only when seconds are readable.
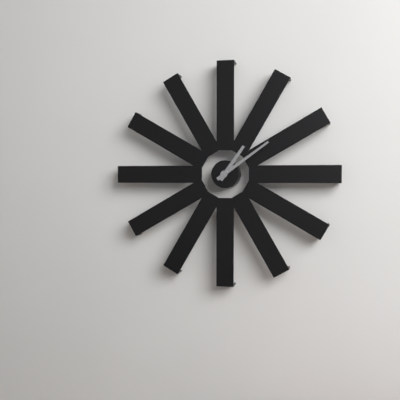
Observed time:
h=1 m=9
